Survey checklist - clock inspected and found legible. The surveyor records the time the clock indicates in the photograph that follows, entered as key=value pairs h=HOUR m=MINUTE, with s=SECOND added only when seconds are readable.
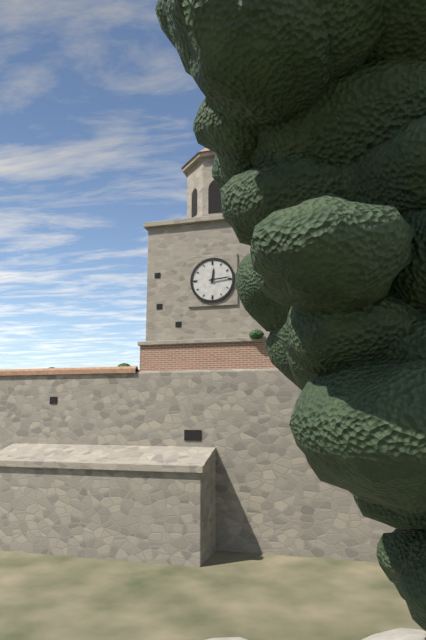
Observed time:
h=12 m=14
